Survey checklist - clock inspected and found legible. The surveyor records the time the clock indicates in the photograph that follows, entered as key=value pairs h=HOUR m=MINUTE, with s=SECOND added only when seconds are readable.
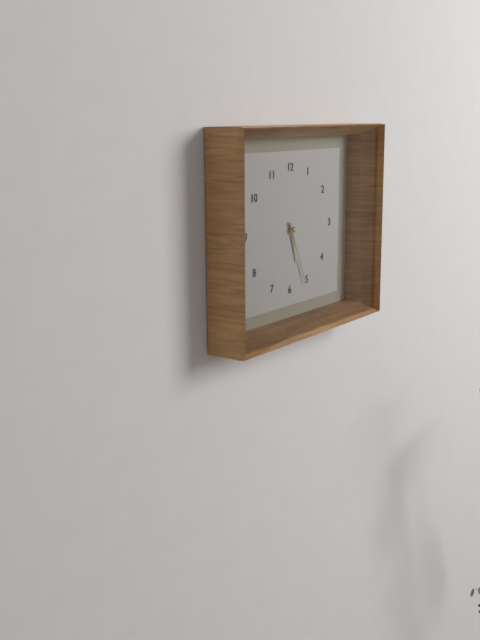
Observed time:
h=5 m=26
